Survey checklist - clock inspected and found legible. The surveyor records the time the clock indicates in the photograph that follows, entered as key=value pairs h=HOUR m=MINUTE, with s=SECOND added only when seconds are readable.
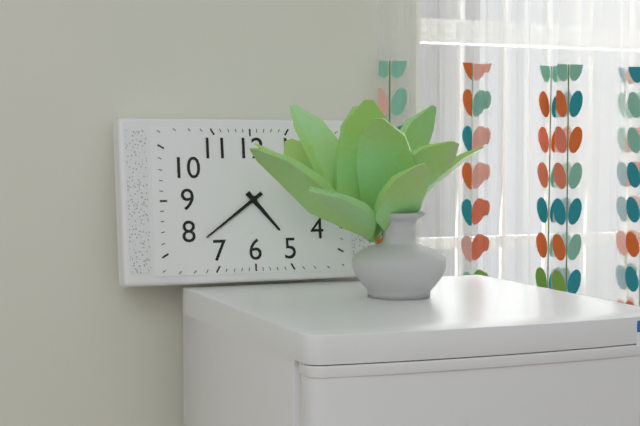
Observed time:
h=4 m=39
